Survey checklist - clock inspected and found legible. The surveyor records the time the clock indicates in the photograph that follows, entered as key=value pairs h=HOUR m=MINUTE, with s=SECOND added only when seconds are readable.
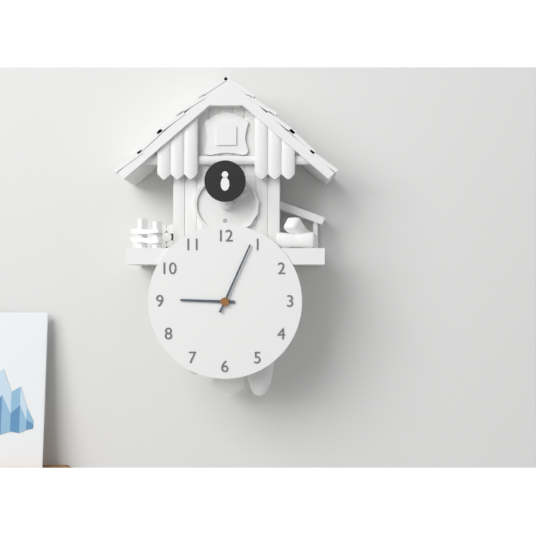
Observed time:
h=9 m=4
